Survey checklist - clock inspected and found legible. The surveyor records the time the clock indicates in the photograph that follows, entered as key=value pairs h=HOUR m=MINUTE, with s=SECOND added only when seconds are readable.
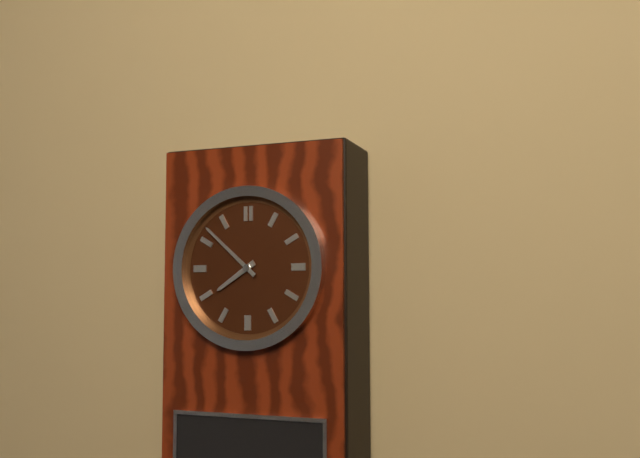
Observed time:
h=7 m=52
